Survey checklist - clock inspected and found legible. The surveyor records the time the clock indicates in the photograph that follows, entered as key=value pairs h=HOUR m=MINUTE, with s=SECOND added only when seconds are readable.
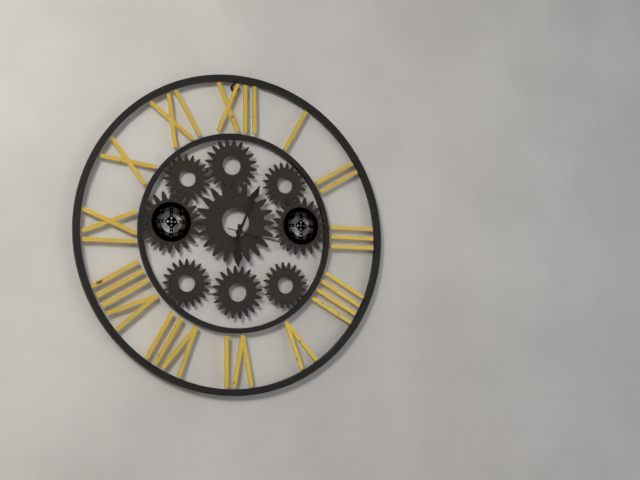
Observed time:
h=6 m=4 s=17
